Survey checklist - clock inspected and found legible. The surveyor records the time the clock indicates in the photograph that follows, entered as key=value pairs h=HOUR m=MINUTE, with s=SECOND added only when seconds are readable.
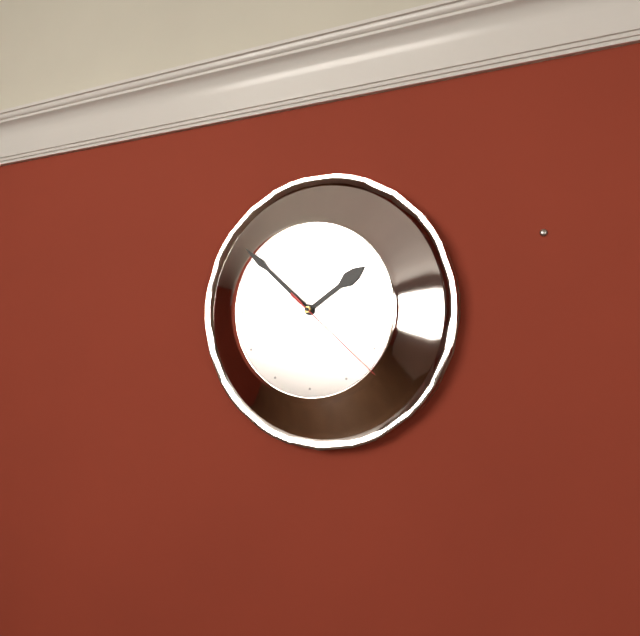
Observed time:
h=1 m=52 s=22
